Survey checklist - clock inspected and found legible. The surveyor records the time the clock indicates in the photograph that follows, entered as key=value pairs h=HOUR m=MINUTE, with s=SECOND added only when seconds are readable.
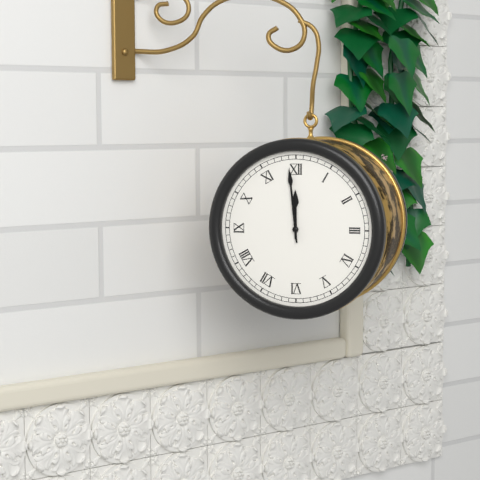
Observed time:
h=11 m=59
